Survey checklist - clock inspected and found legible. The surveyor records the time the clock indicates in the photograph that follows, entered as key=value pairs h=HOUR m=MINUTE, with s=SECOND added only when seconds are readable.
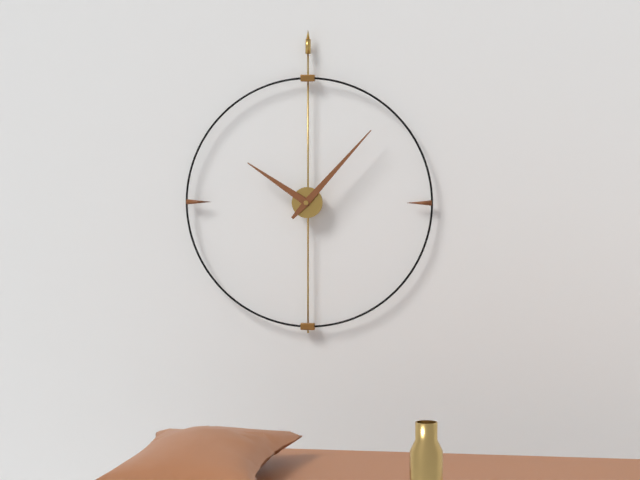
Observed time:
h=10 m=7
